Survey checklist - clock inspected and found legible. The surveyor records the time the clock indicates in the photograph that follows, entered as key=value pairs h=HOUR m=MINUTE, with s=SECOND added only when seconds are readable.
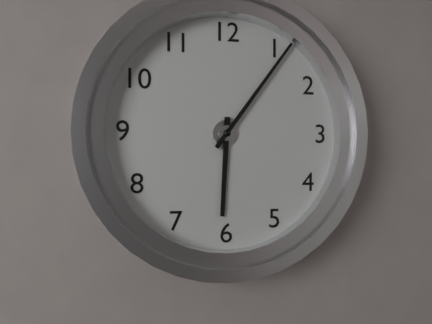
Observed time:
h=6 m=6
